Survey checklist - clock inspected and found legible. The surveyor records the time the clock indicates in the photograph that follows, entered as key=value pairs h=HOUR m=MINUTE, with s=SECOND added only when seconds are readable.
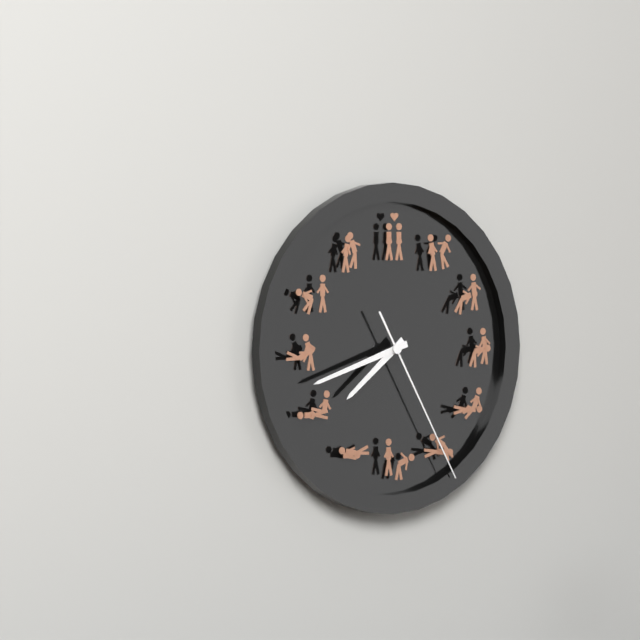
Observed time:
h=7 m=42 s=25
